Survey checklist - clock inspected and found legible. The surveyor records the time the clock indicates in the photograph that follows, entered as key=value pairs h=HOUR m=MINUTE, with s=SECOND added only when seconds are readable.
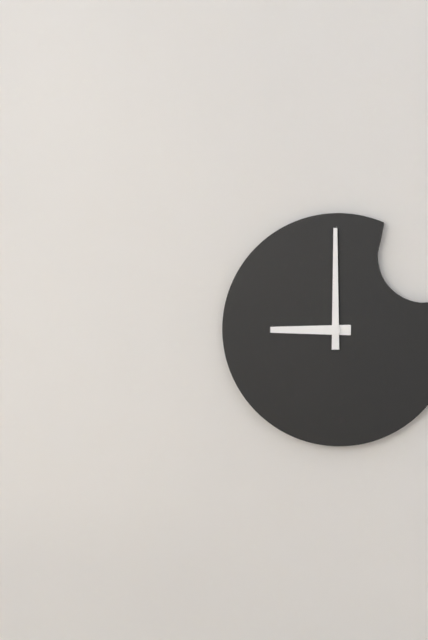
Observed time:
h=9 m=0
